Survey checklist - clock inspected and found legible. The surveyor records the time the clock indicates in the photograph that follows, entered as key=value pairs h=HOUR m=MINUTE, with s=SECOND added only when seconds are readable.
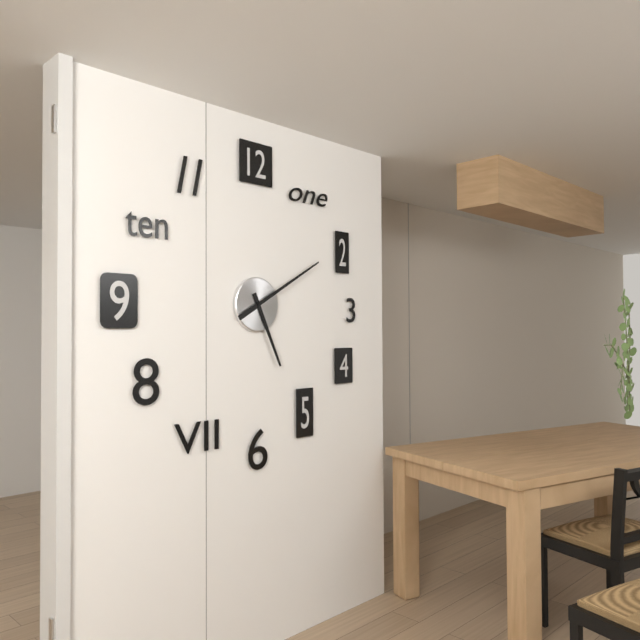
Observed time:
h=5 m=10
